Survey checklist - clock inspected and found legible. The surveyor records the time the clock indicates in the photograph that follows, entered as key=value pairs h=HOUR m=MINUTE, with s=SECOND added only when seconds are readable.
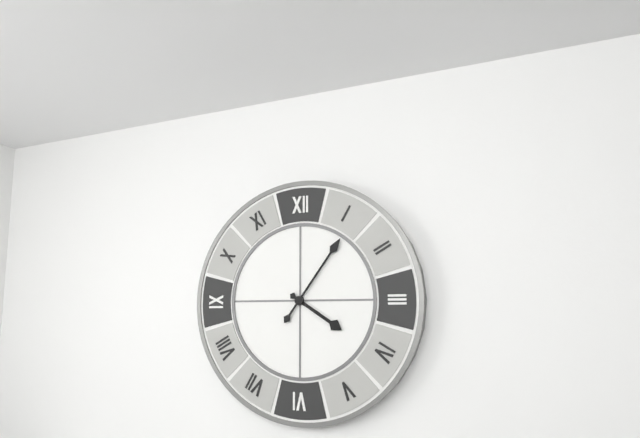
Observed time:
h=4 m=6
